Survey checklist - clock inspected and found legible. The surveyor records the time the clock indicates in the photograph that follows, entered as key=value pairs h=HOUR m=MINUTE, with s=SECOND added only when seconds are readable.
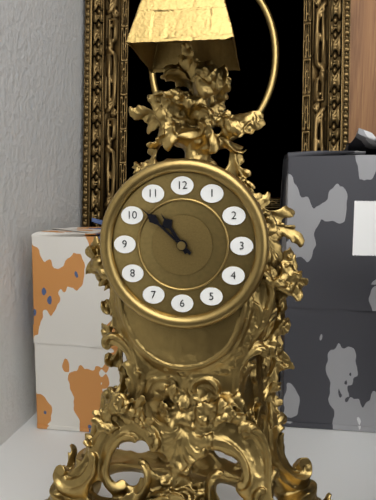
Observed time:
h=10 m=52
